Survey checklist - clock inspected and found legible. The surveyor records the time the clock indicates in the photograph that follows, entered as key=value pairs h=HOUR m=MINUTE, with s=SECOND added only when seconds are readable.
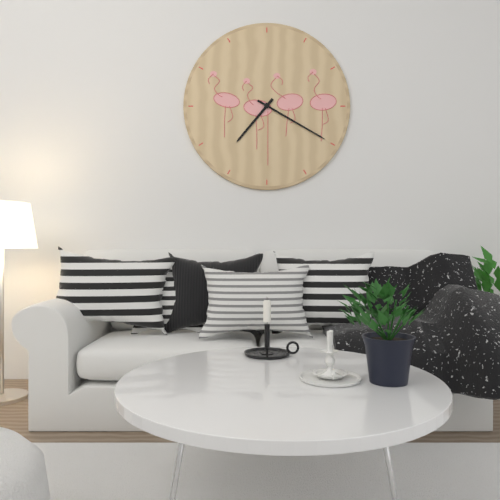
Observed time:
h=7 m=20
